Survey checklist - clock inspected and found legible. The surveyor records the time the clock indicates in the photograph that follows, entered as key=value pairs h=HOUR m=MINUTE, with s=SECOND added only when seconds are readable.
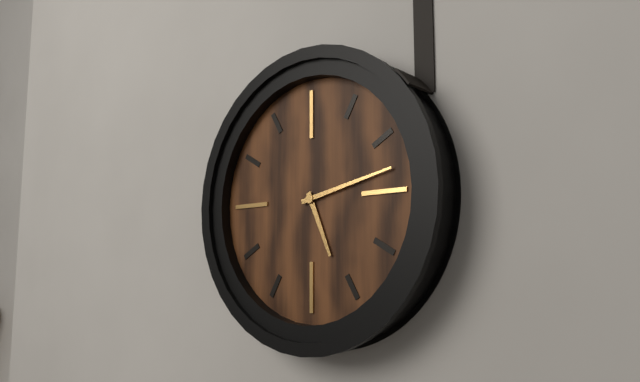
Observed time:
h=5 m=13
